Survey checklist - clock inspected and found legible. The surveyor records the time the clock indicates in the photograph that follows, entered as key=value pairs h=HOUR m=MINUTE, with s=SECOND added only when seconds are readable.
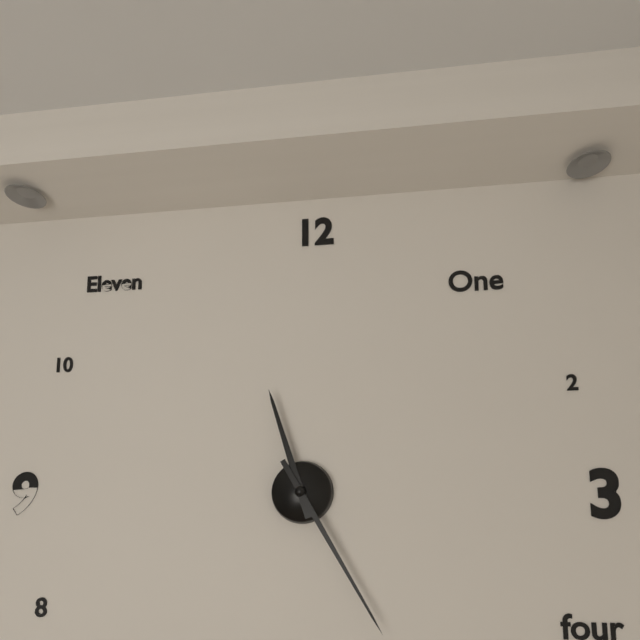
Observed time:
h=11 m=25
